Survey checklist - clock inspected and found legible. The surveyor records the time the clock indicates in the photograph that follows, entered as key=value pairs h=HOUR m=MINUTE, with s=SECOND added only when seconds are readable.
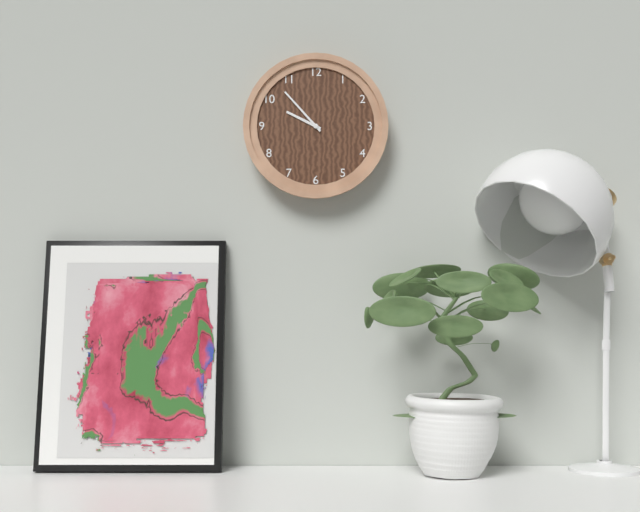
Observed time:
h=9 m=53
